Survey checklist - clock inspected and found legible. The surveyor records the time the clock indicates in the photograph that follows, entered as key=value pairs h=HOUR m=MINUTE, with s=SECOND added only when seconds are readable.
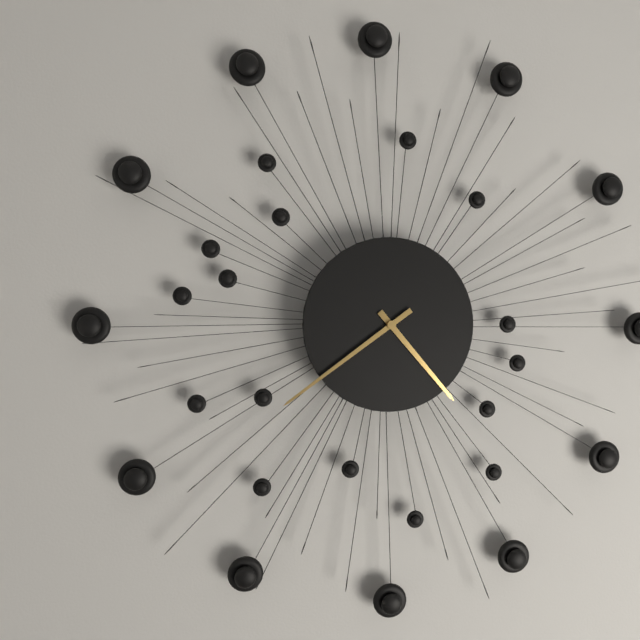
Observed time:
h=4 m=39
